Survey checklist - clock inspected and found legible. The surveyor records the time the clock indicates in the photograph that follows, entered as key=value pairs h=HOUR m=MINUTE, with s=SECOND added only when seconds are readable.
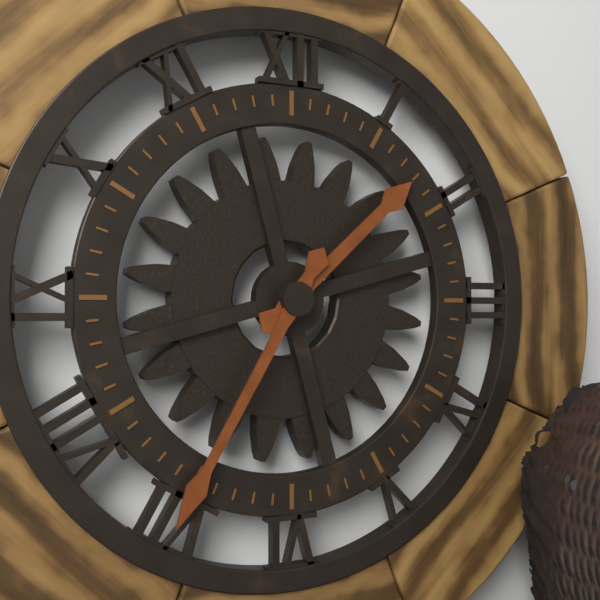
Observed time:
h=1 m=35
